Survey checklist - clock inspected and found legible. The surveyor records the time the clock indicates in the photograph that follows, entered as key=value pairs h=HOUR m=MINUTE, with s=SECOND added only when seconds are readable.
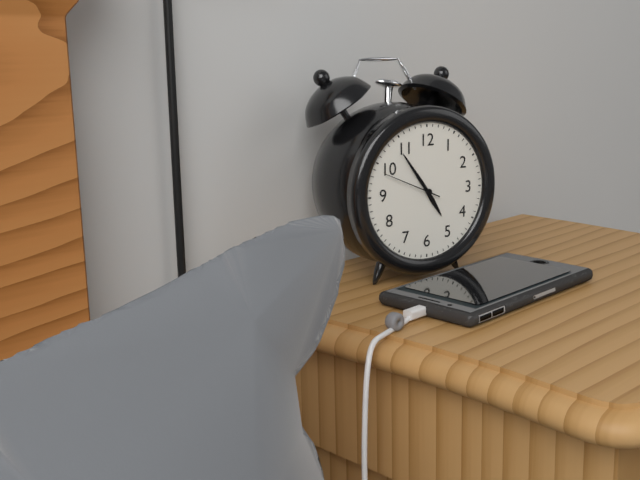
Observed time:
h=4 m=54 s=49
